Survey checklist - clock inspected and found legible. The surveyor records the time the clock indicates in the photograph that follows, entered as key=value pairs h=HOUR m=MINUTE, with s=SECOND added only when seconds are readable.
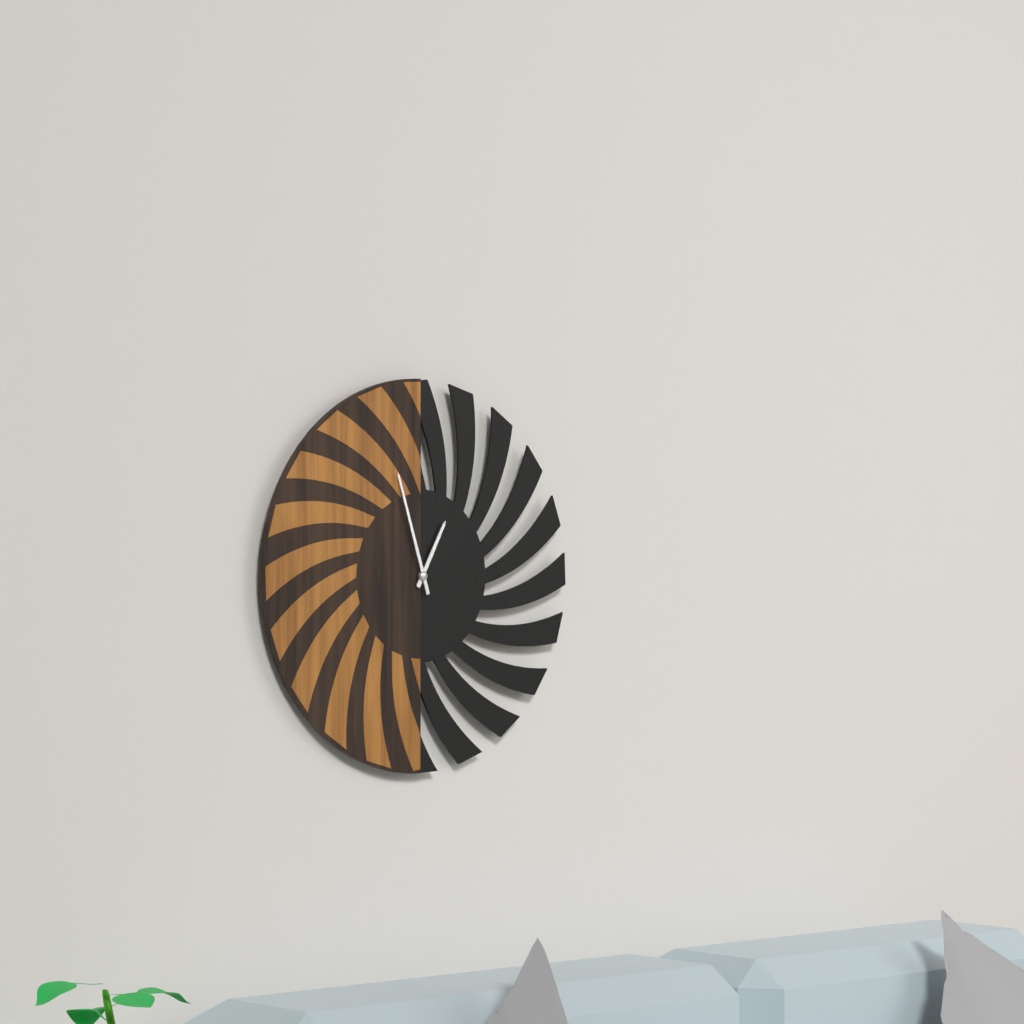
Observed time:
h=12 m=57
